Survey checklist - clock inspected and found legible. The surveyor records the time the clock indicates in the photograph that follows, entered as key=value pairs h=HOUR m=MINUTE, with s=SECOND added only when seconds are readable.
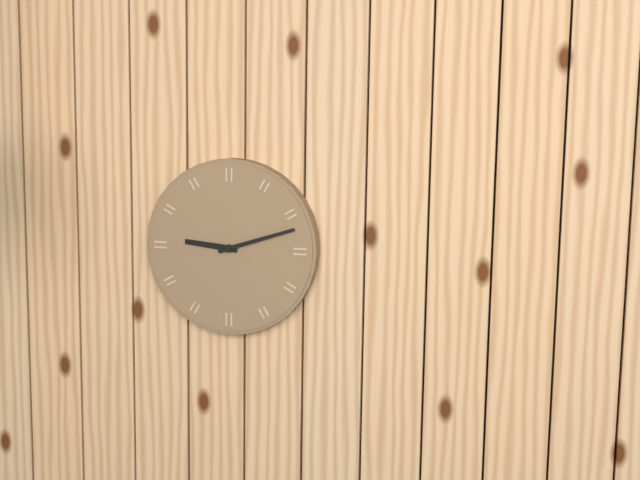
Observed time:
h=9 m=12
